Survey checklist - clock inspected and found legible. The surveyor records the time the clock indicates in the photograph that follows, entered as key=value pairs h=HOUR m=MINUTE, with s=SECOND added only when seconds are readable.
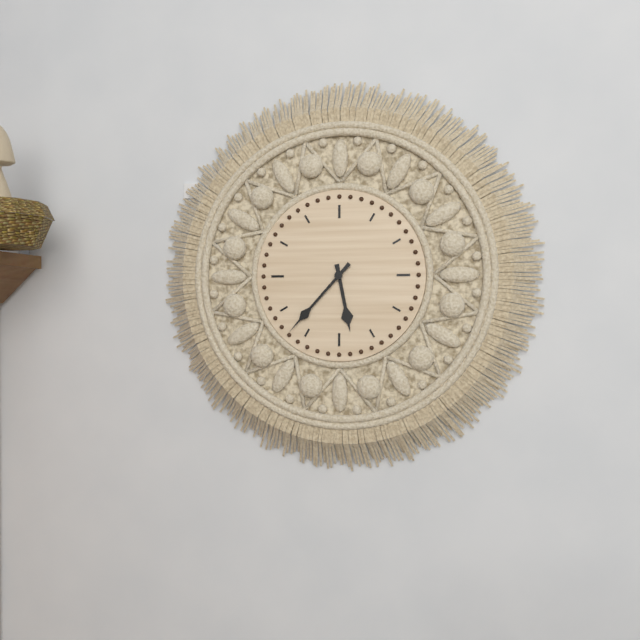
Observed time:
h=5 m=37
